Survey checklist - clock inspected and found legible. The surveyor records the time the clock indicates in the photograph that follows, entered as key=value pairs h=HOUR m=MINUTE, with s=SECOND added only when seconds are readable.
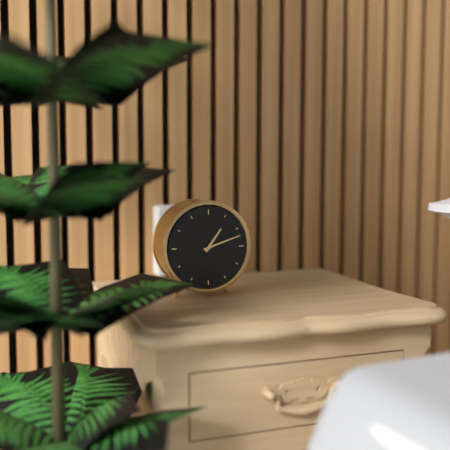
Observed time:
h=1 m=12
